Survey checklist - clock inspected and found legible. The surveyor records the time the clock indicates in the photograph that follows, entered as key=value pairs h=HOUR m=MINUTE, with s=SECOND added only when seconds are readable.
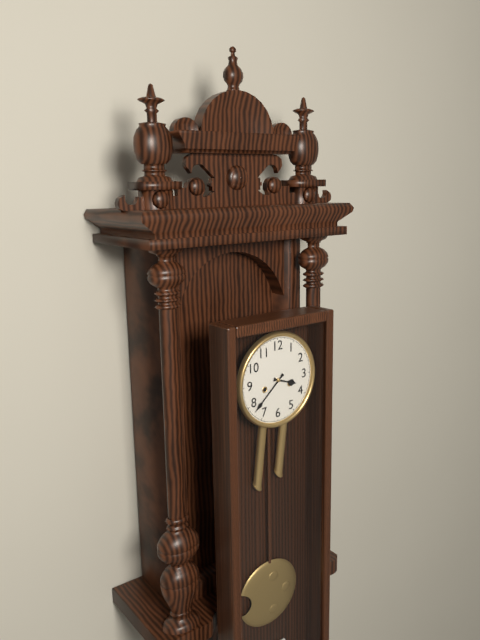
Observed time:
h=3 m=38
